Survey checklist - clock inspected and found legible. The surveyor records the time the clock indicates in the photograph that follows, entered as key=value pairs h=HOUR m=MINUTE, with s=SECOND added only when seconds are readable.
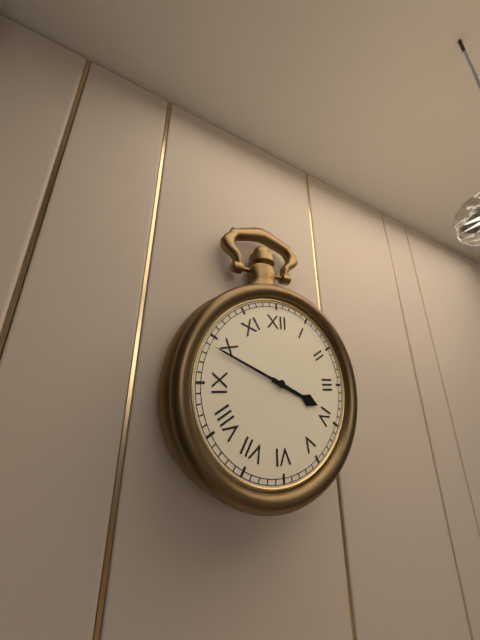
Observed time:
h=3 m=49
